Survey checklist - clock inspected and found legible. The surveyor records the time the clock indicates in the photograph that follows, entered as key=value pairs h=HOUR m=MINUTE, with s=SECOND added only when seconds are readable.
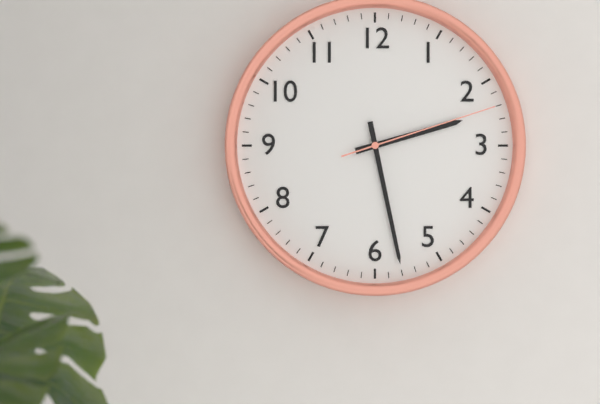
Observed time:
h=2 m=28 s=12
